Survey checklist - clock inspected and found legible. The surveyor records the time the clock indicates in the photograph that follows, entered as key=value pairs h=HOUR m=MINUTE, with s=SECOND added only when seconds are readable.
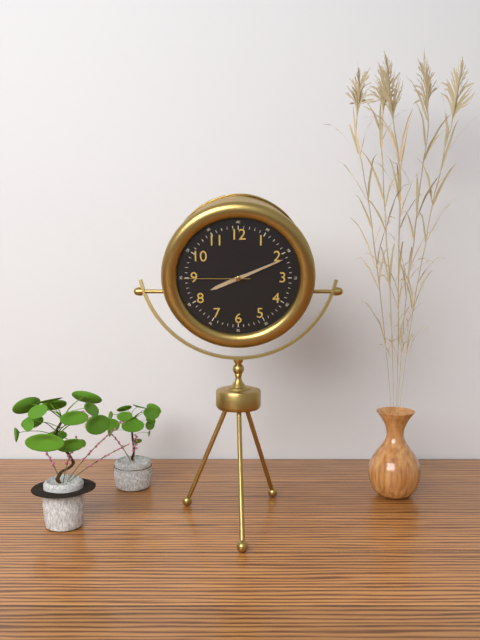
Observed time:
h=8 m=11 s=45
